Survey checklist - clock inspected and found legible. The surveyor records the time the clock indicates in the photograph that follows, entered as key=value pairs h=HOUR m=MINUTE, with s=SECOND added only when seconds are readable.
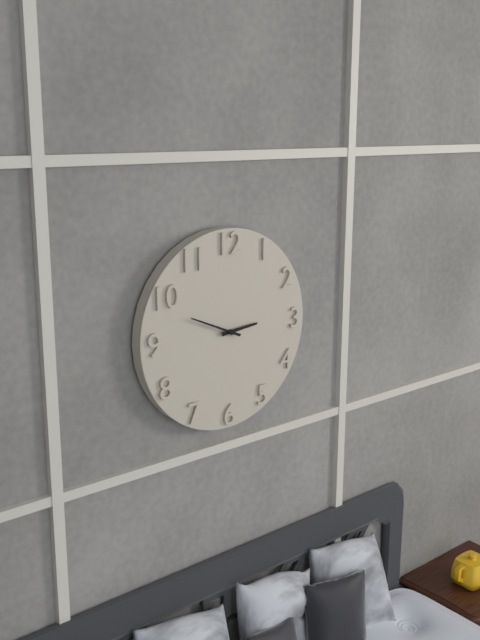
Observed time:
h=2 m=49
